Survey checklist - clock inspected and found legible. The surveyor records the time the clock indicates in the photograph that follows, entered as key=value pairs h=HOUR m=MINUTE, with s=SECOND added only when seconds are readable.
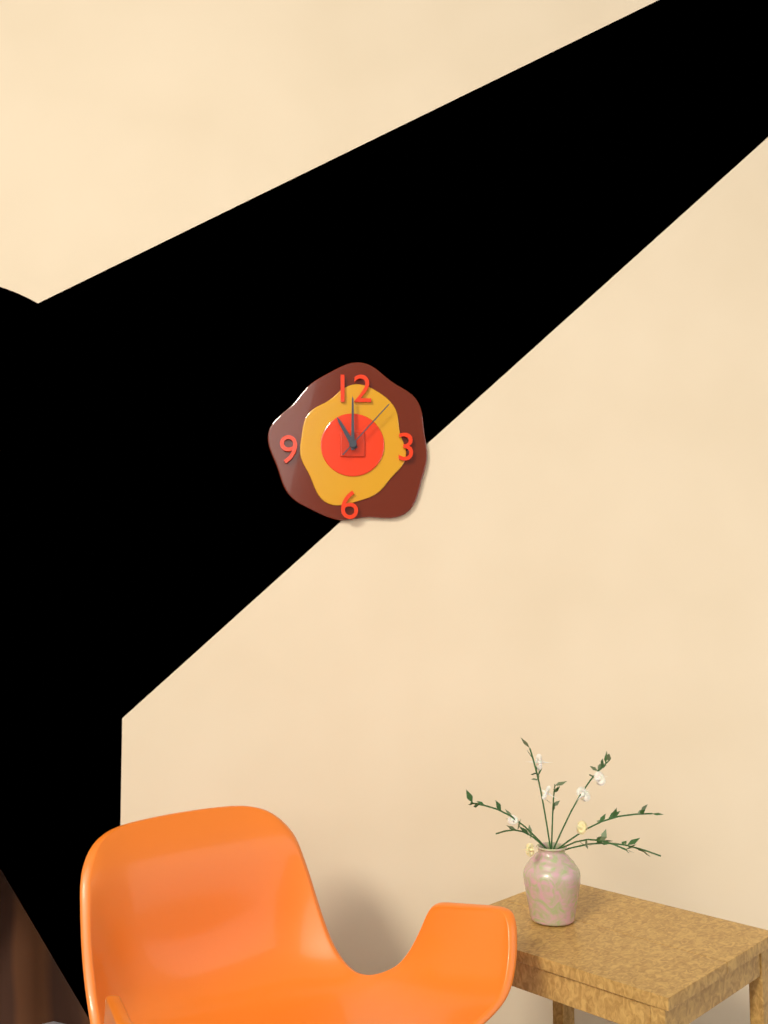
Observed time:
h=11 m=0 s=7
